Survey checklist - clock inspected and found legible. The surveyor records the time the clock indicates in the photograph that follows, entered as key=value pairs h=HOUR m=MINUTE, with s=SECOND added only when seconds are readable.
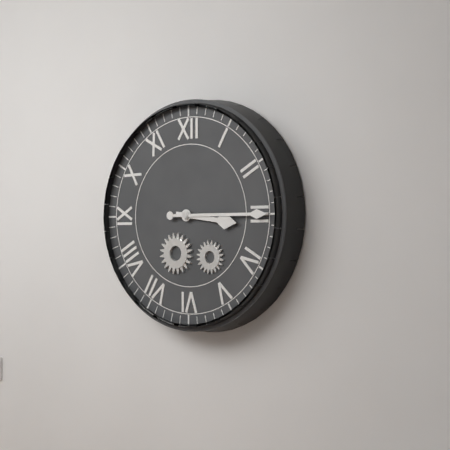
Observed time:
h=3 m=15
